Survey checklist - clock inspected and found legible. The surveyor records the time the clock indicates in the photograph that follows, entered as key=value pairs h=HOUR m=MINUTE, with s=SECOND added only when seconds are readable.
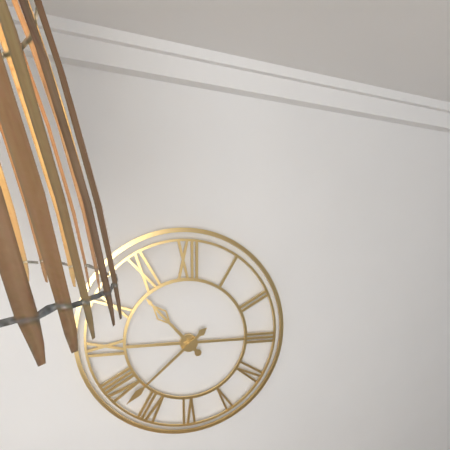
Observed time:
h=10 m=38
